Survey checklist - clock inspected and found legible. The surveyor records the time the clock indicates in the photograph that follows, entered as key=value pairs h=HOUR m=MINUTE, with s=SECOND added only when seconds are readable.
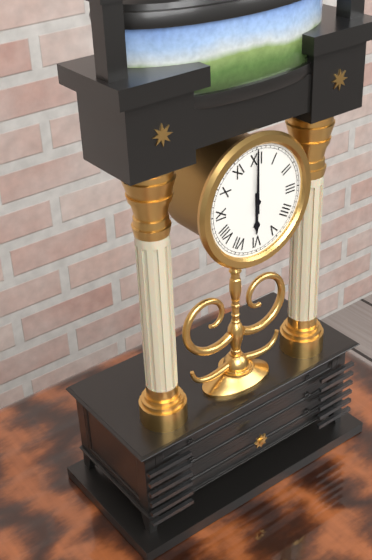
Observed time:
h=6 m=0
